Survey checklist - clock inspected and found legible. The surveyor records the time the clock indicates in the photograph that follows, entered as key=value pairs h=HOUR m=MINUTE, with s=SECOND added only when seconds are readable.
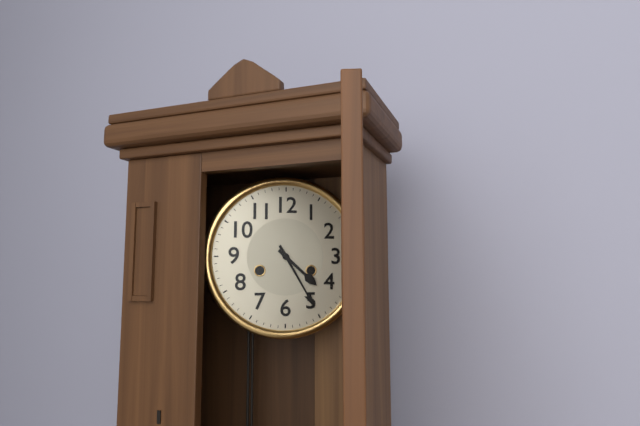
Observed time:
h=4 m=25
